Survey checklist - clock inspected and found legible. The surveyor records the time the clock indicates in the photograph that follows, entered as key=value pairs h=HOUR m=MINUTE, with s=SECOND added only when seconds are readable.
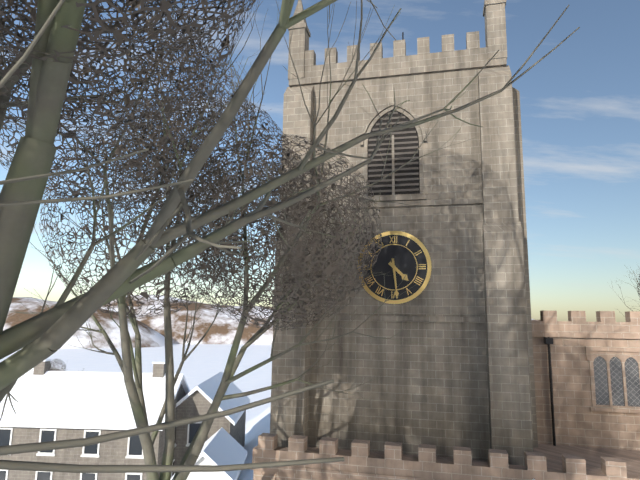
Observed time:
h=4 m=29
